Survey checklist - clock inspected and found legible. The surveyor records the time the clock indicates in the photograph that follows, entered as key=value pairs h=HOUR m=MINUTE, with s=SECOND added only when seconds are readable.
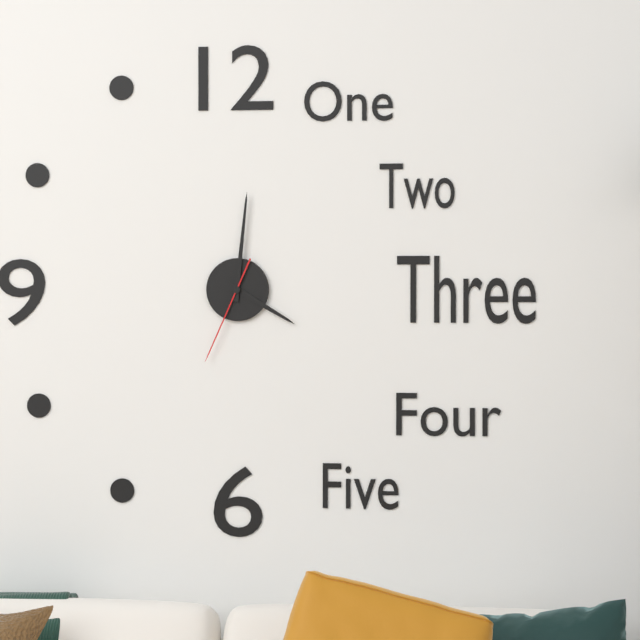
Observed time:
h=4 m=1 s=34
